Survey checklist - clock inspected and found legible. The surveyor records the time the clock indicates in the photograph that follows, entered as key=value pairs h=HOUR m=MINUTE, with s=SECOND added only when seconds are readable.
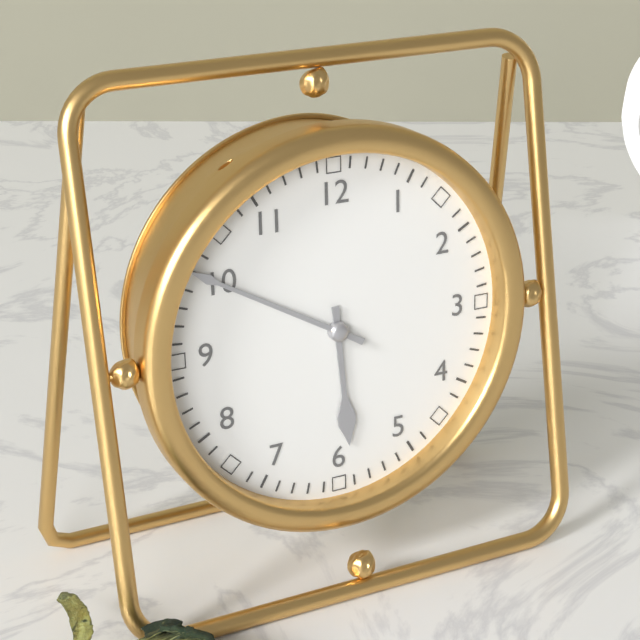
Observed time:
h=5 m=50
